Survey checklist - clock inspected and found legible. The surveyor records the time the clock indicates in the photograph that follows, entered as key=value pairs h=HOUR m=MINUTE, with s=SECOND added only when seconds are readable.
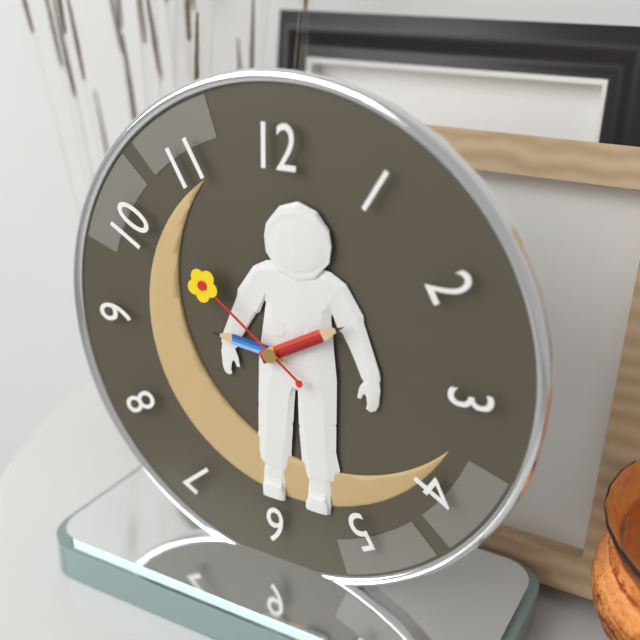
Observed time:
h=9 m=10 s=51
